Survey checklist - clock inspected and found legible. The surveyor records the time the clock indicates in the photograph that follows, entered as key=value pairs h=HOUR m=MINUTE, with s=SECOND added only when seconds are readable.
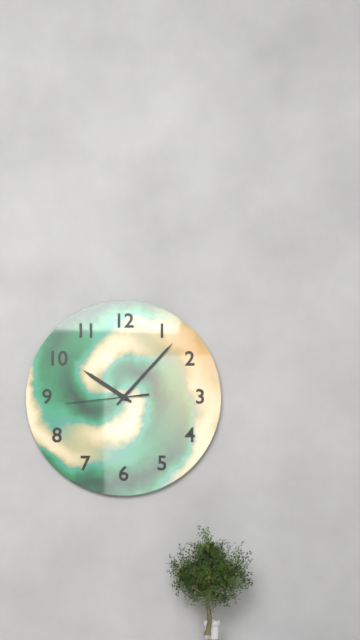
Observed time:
h=10 m=7 s=44
